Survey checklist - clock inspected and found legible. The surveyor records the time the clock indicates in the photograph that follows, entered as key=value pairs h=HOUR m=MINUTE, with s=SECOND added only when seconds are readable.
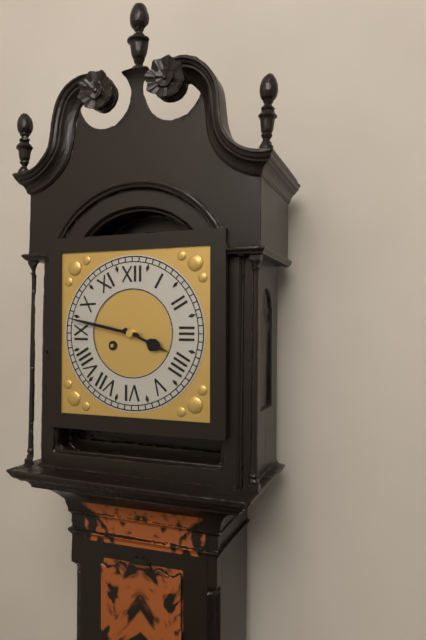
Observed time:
h=3 m=47
